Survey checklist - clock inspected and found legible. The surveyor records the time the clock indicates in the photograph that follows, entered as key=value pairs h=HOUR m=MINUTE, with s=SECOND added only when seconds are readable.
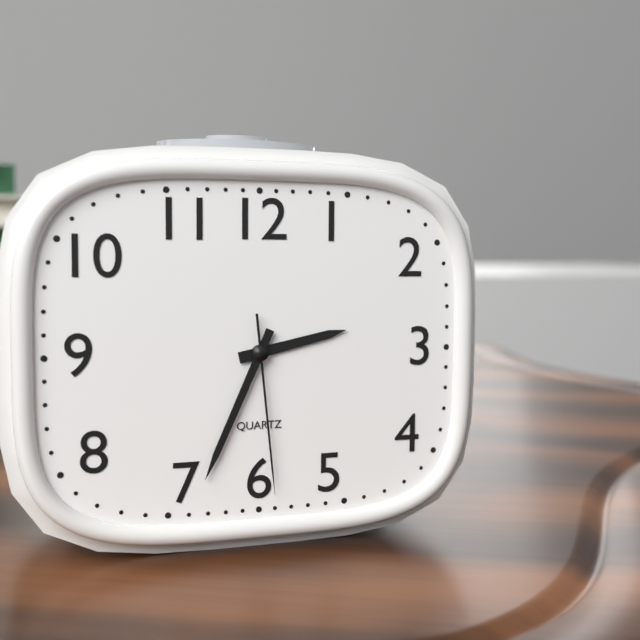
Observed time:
h=2 m=34 s=29
